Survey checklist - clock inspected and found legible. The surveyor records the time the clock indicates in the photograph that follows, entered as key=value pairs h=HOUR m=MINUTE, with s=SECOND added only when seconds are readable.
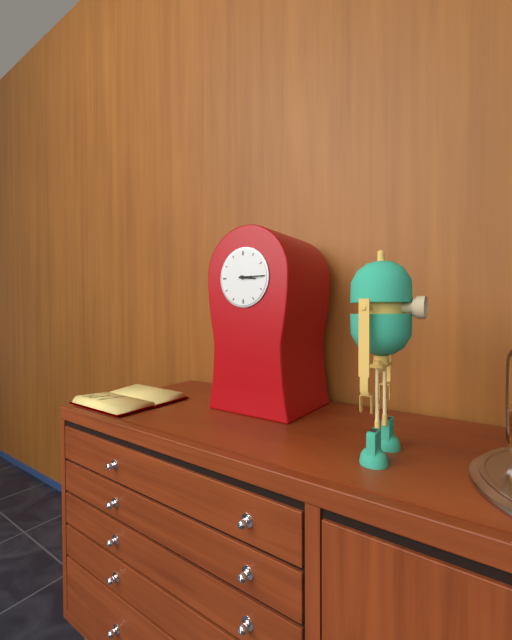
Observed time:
h=3 m=15
